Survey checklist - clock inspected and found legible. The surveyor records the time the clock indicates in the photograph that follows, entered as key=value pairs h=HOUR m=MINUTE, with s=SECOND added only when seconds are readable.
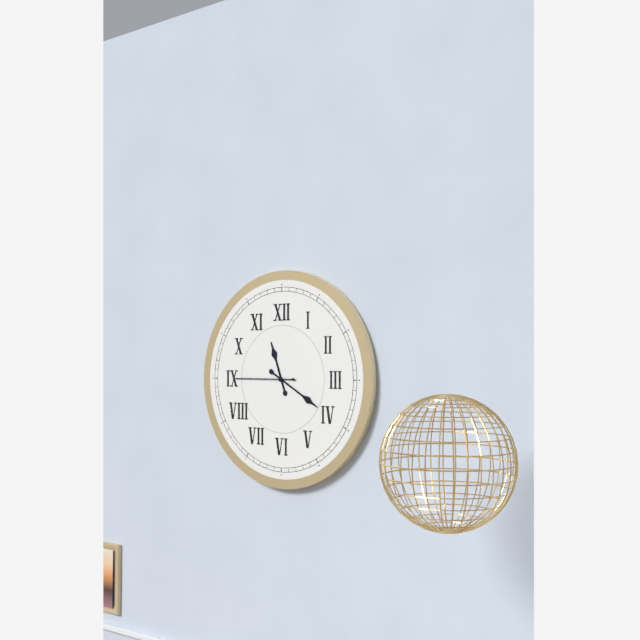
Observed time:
h=11 m=20 s=45
